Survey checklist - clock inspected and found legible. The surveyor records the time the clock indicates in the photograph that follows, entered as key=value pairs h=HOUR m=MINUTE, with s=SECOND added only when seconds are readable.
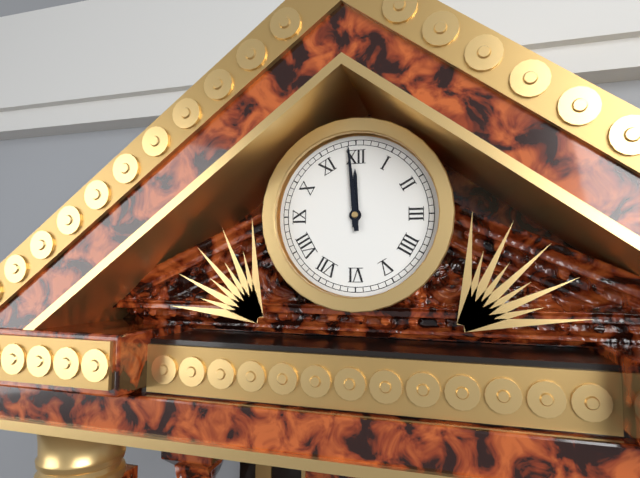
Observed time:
h=11 m=59
